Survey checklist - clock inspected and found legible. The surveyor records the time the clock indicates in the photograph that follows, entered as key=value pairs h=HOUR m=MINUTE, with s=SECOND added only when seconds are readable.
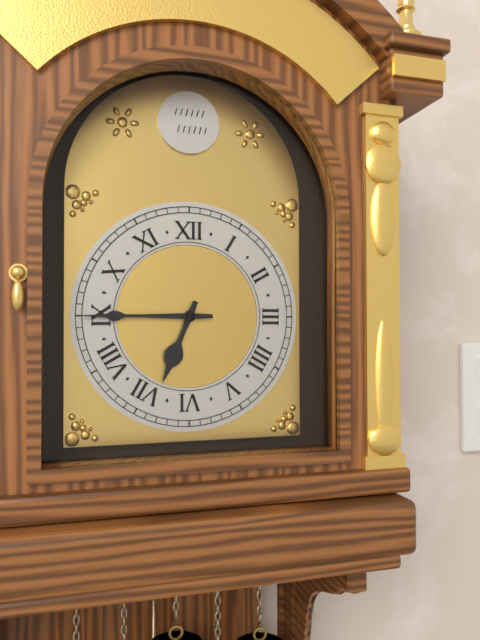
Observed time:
h=6 m=45
